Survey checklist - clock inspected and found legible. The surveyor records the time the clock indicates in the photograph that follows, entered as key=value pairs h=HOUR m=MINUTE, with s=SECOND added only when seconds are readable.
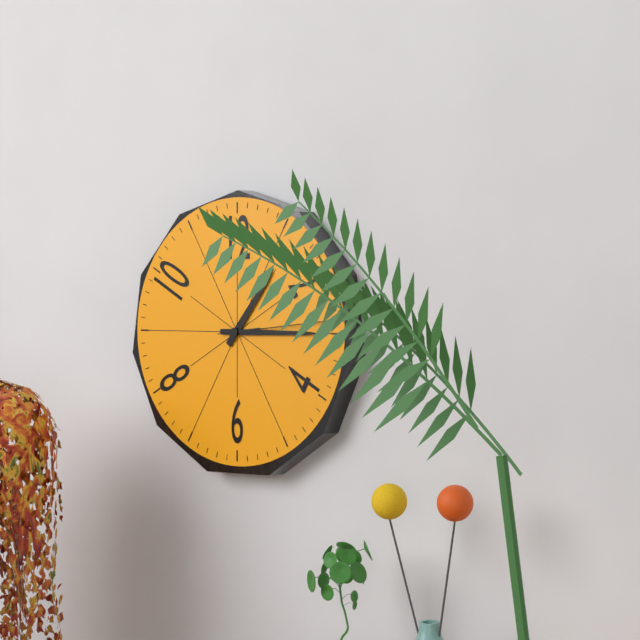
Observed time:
h=1 m=15
